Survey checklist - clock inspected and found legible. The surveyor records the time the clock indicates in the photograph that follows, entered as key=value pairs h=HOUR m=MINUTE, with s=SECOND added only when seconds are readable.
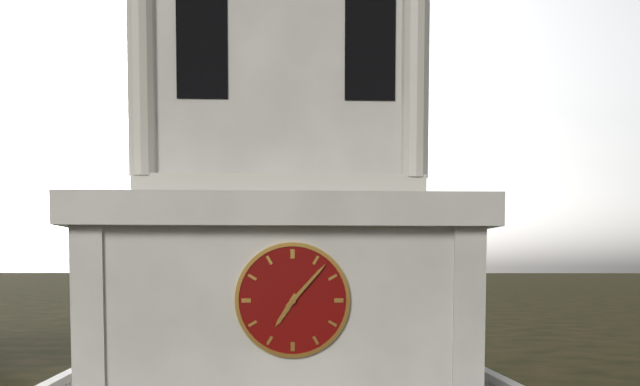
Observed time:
h=7 m=7
